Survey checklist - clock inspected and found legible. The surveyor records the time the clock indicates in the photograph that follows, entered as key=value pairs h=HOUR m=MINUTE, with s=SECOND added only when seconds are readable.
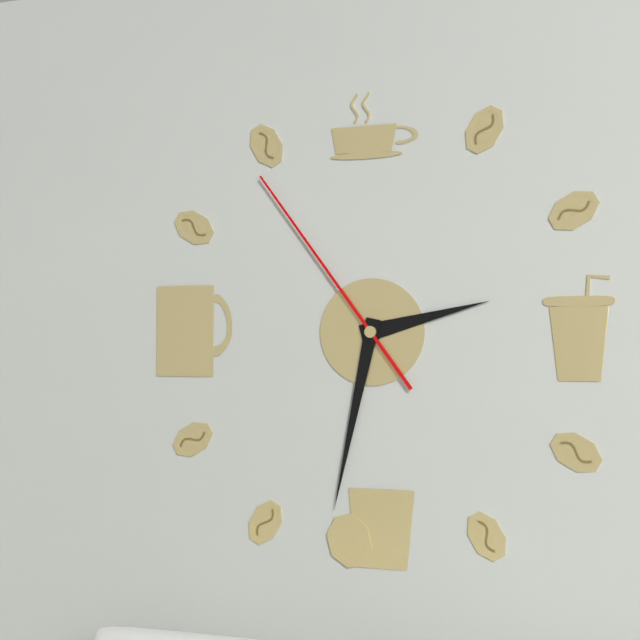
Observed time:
h=2 m=32 s=54
